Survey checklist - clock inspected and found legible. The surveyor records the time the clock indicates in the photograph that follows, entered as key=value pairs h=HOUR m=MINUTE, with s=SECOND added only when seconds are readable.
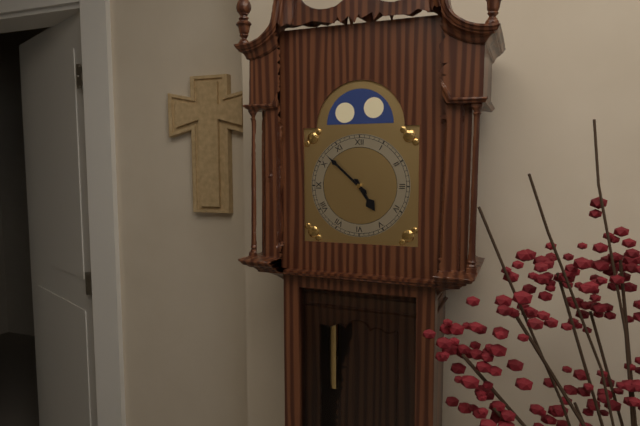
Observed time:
h=4 m=52
